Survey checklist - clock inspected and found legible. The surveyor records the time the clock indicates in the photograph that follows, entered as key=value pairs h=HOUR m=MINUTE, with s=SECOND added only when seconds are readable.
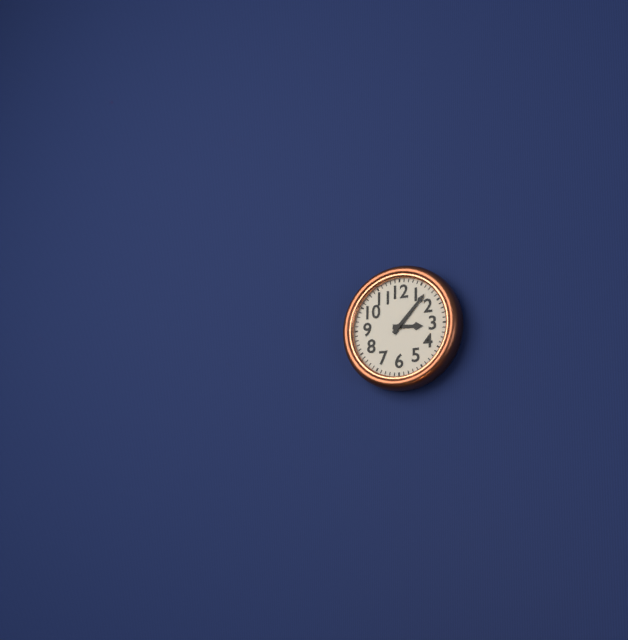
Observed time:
h=3 m=7
